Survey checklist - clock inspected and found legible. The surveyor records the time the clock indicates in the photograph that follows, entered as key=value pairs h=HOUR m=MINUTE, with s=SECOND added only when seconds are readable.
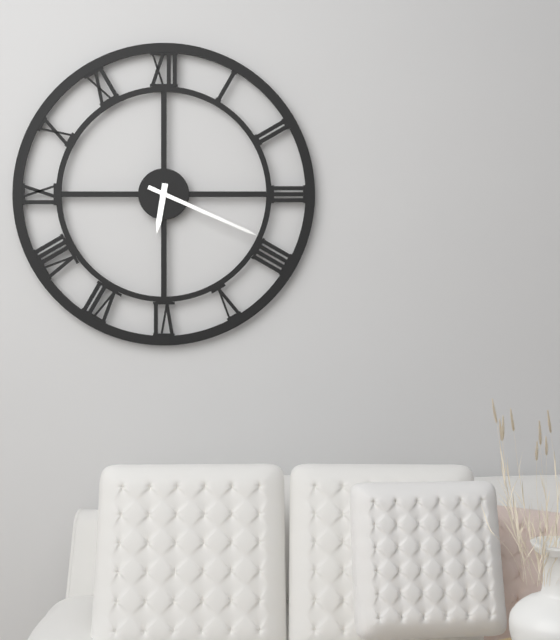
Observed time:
h=6 m=19
